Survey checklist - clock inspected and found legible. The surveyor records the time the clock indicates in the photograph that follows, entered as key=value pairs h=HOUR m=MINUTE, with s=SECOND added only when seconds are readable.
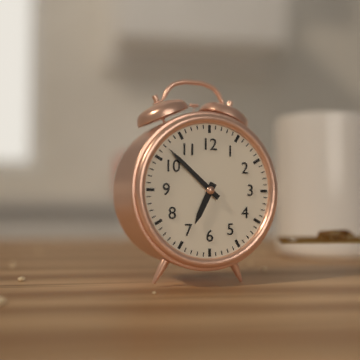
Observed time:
h=6 m=52
